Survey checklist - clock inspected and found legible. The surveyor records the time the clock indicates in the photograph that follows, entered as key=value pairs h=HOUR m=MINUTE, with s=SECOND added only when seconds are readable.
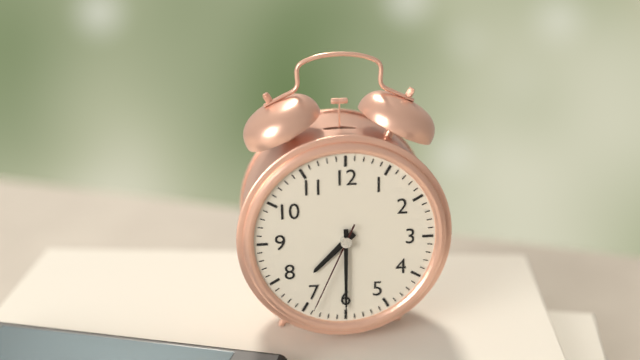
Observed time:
h=7 m=30 s=34
